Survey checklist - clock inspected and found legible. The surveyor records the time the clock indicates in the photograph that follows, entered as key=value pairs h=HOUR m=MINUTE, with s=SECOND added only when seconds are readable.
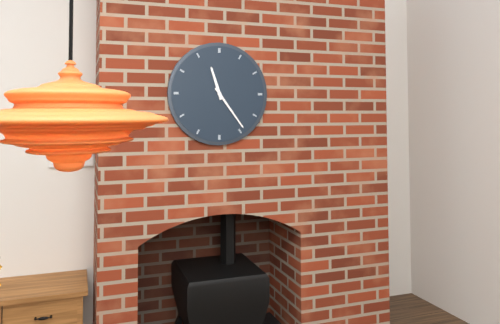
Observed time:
h=11 m=24
